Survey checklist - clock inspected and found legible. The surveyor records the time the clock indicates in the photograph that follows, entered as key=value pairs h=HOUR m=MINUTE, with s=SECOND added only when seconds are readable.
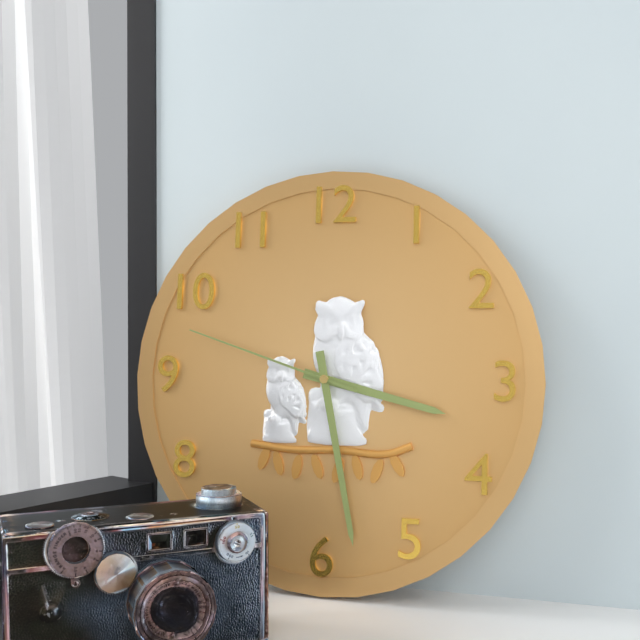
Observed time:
h=3 m=28 s=48
